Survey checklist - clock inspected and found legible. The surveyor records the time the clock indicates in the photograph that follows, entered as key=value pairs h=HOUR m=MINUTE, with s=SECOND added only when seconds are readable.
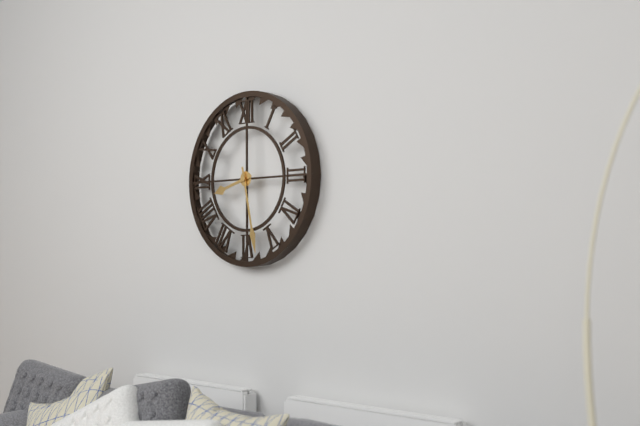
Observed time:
h=8 m=28
